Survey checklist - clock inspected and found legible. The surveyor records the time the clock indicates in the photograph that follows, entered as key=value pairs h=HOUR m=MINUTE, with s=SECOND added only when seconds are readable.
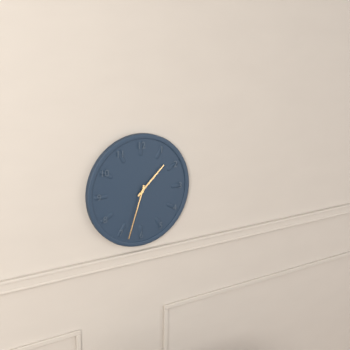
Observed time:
h=1 m=33
